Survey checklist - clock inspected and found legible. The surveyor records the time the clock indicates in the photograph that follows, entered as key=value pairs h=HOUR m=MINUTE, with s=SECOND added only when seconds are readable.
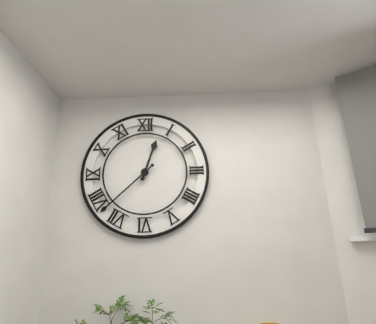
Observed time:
h=12 m=38
